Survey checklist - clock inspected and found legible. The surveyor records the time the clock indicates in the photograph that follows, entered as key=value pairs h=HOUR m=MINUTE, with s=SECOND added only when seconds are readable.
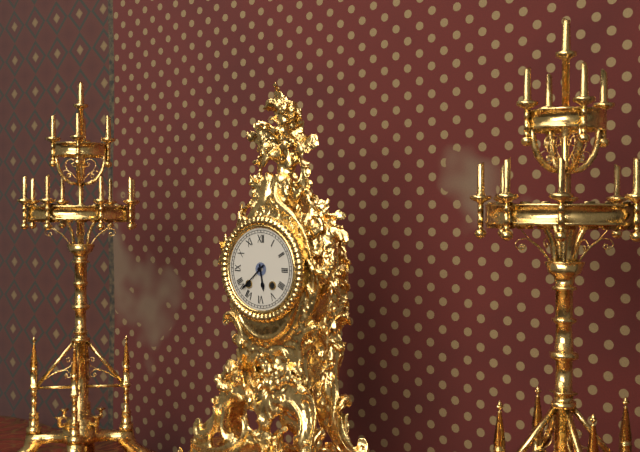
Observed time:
h=5 m=38
